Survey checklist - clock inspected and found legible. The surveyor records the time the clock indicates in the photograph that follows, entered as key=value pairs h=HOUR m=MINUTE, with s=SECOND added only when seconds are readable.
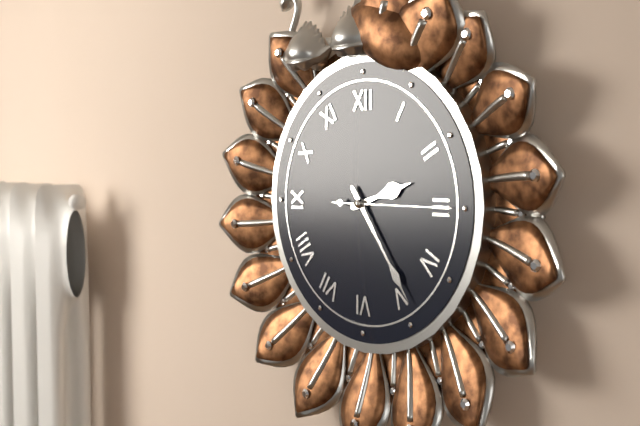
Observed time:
h=2 m=24 s=15
